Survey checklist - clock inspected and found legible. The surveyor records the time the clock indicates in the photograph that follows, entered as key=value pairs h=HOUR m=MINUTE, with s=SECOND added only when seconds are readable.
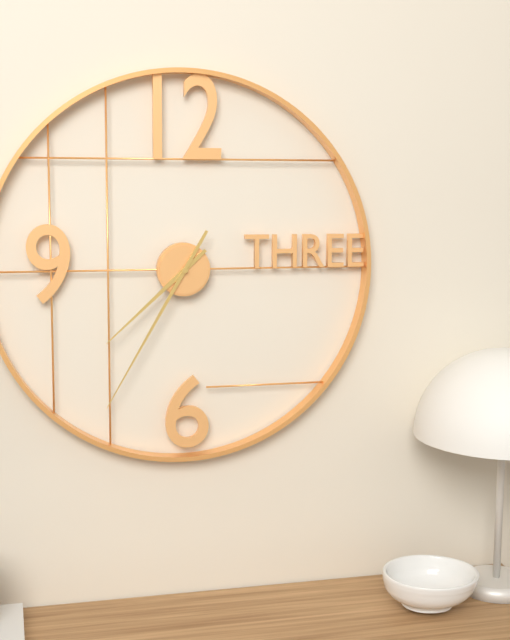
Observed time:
h=7 m=35
